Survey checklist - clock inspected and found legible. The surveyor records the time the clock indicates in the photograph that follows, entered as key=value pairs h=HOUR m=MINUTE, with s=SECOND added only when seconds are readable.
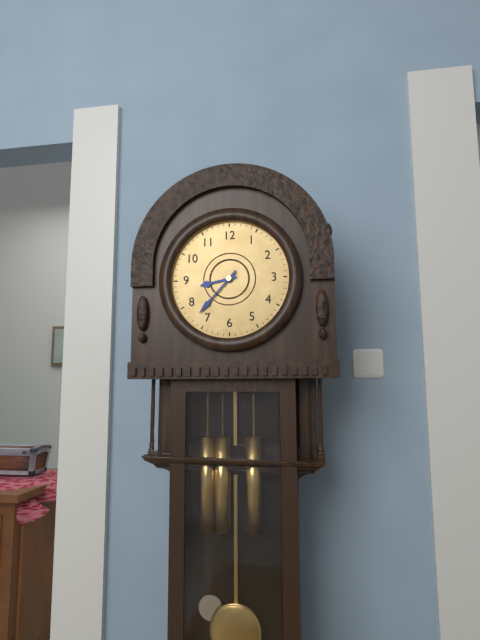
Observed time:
h=8 m=37
